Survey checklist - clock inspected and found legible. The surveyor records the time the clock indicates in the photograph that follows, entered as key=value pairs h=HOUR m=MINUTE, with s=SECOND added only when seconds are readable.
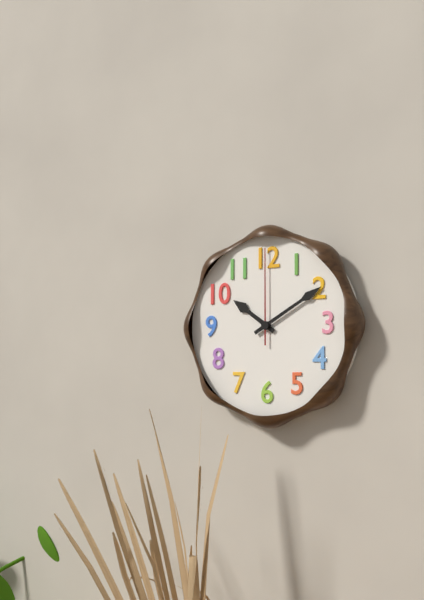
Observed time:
h=10 m=10 s=0
